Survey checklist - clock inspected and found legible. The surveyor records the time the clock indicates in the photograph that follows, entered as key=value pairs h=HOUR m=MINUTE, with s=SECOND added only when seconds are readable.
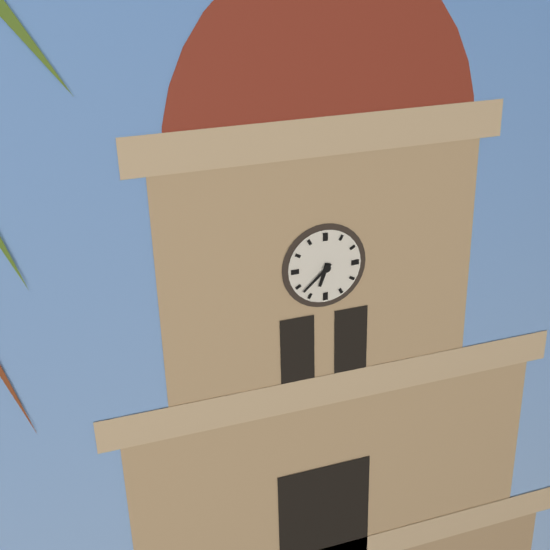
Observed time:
h=6 m=38
